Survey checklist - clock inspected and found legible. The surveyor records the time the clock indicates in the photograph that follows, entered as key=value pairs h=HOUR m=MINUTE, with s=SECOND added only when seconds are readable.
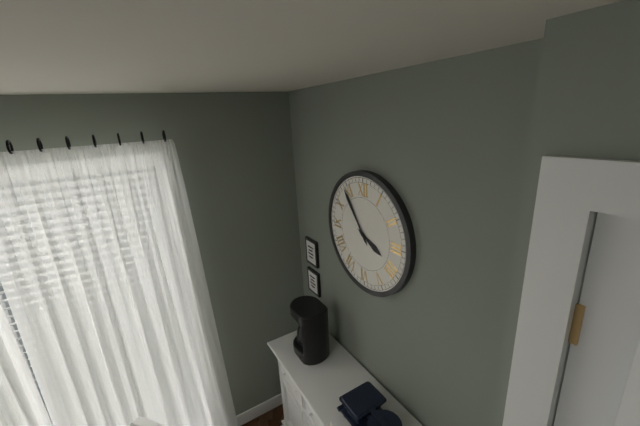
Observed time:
h=3 m=54
